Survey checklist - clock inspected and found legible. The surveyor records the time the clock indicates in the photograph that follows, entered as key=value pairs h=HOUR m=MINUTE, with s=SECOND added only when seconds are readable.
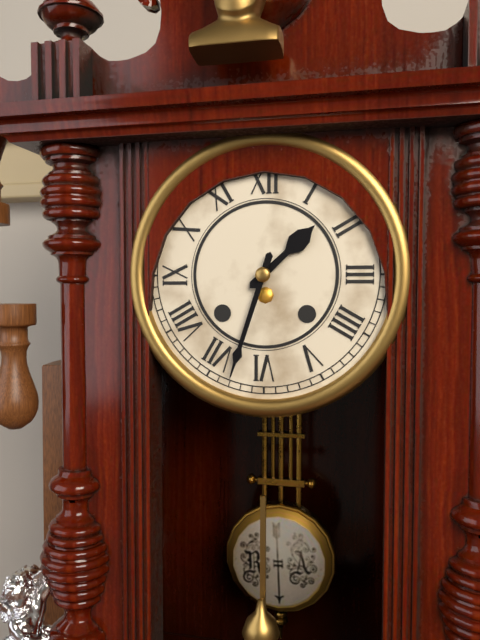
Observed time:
h=1 m=33
